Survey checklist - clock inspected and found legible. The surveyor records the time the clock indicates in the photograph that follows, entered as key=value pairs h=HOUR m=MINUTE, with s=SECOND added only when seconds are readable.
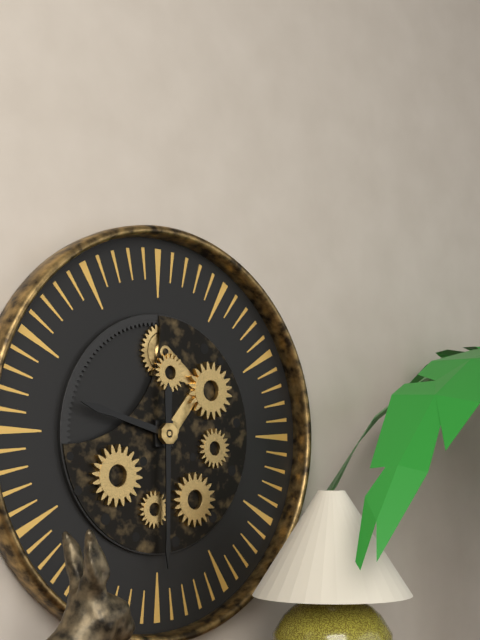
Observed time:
h=9 m=30
